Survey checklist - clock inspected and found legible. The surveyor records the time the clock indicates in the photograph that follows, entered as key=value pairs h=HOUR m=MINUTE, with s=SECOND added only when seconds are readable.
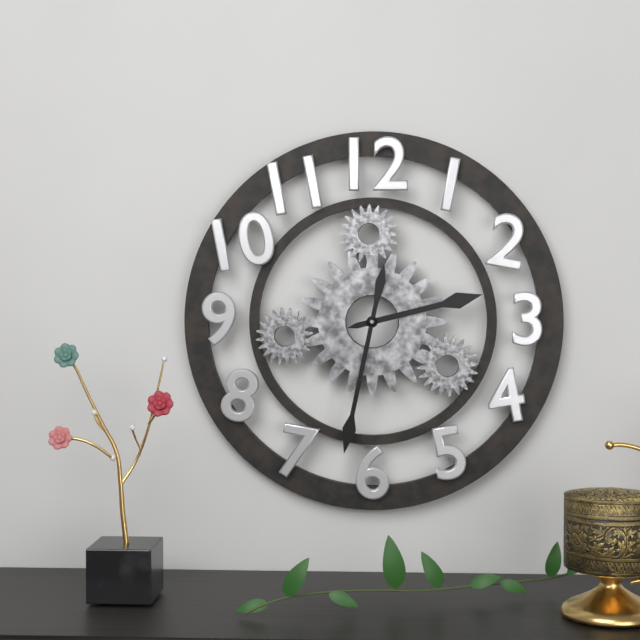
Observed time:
h=2 m=32
